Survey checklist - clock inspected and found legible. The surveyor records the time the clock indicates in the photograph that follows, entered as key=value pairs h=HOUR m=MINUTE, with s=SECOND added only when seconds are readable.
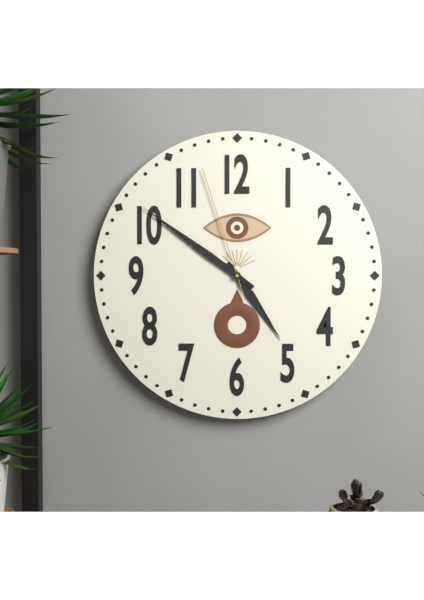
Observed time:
h=4 m=51 s=57
